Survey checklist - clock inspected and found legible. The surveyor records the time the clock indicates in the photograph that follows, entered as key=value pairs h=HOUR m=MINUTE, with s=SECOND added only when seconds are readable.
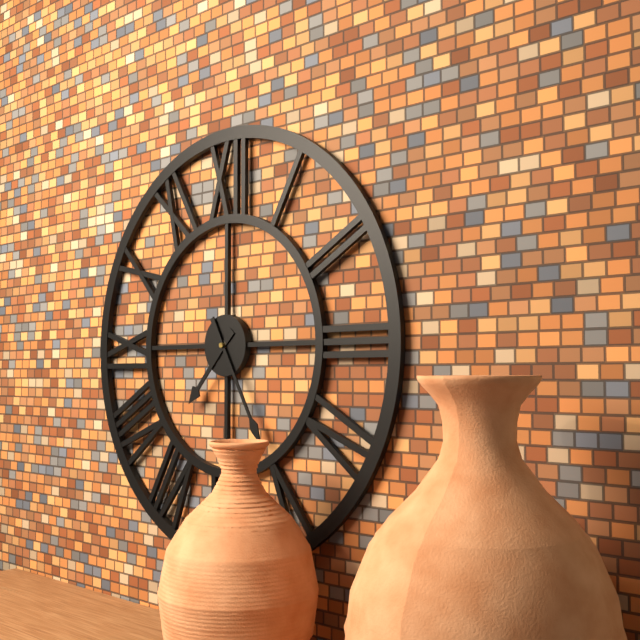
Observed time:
h=7 m=25
